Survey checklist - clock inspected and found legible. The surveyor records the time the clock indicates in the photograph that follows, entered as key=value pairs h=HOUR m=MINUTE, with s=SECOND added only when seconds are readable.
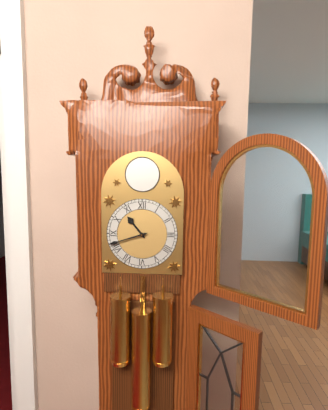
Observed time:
h=10 m=42
